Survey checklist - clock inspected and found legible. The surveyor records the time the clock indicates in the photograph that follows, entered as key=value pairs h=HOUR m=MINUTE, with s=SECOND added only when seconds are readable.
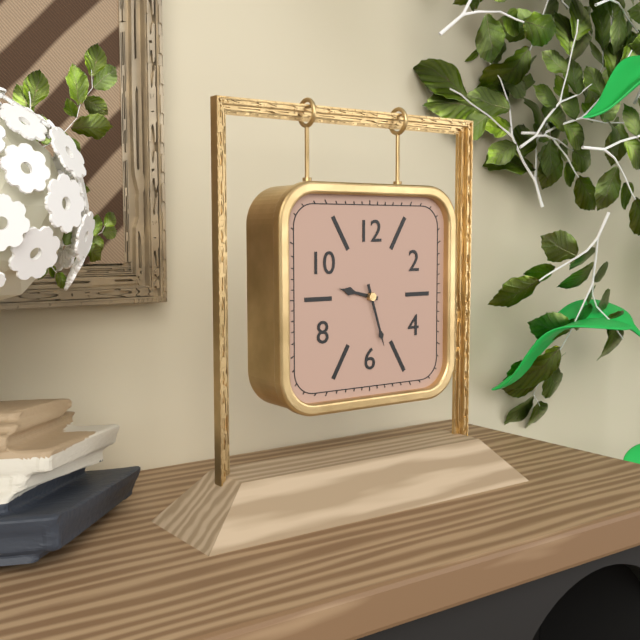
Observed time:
h=9 m=27
